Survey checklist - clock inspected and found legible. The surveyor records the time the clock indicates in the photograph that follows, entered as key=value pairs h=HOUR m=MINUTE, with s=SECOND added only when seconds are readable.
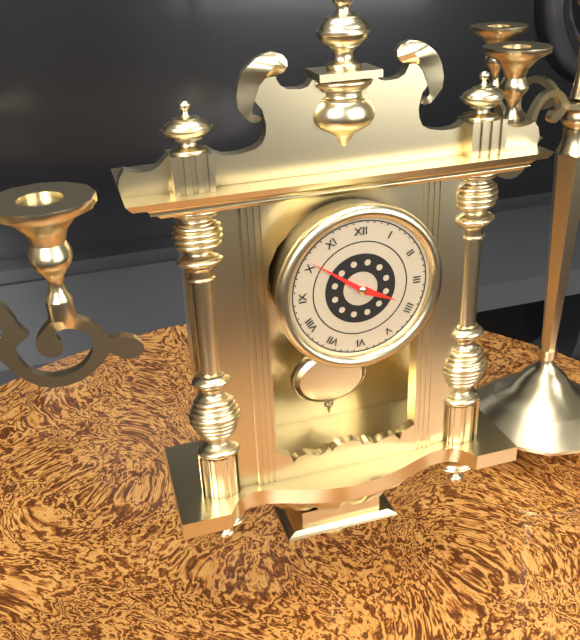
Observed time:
h=3 m=51
